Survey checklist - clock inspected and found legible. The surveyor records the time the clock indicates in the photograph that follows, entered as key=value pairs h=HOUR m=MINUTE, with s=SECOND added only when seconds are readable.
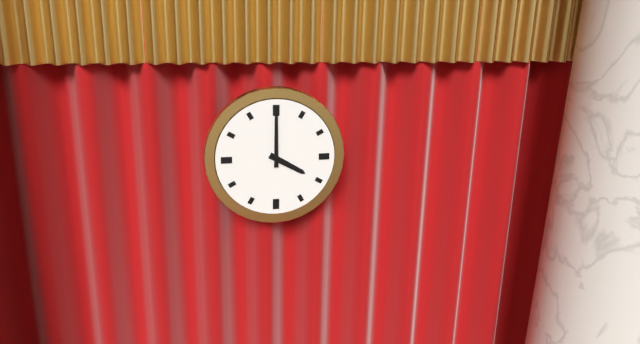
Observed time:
h=4 m=0
